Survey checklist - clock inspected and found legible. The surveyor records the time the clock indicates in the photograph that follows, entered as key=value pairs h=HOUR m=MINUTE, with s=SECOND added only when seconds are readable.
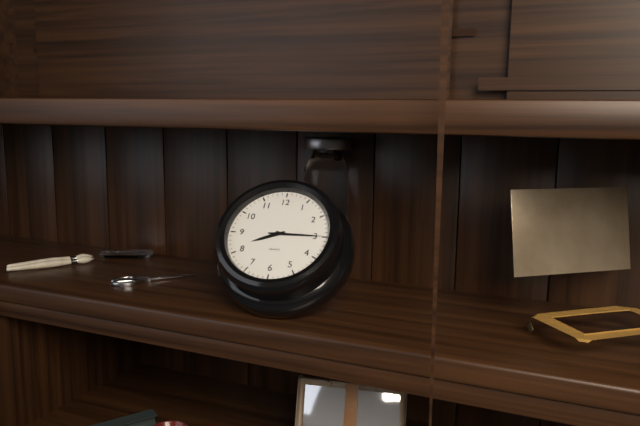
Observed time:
h=8 m=15
